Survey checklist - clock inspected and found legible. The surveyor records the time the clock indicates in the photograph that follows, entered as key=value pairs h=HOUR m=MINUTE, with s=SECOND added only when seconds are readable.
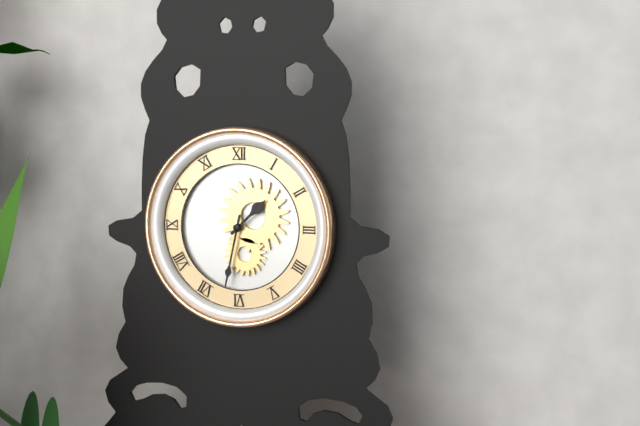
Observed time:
h=1 m=32
